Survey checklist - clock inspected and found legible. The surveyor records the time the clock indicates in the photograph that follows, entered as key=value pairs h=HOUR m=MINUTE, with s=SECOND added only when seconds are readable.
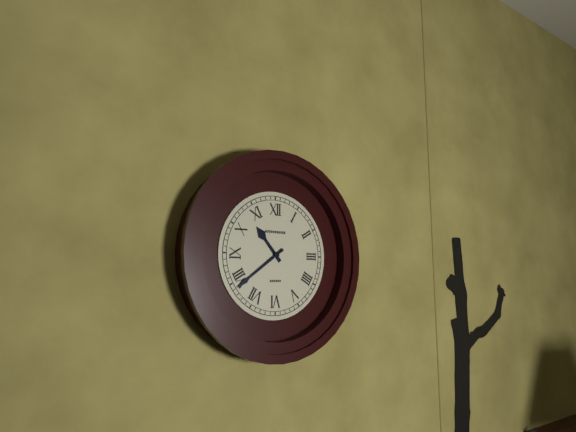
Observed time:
h=10 m=39
